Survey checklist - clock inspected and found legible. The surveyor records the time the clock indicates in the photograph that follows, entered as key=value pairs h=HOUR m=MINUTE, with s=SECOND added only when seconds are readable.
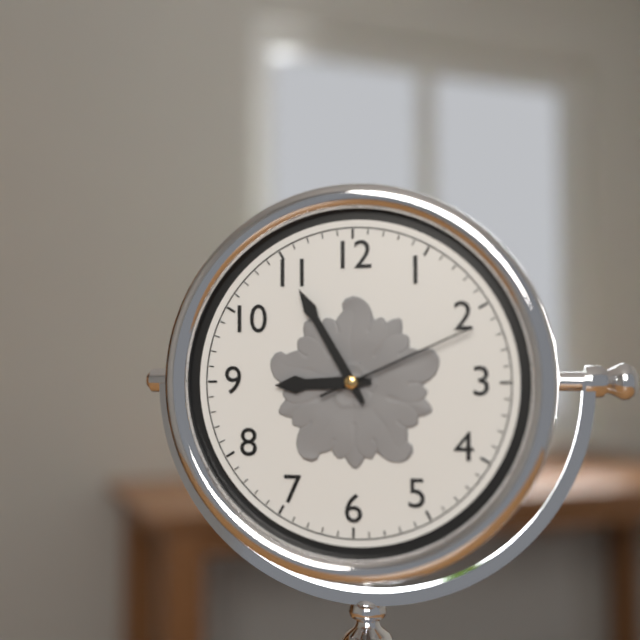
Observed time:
h=8 m=55 s=11
